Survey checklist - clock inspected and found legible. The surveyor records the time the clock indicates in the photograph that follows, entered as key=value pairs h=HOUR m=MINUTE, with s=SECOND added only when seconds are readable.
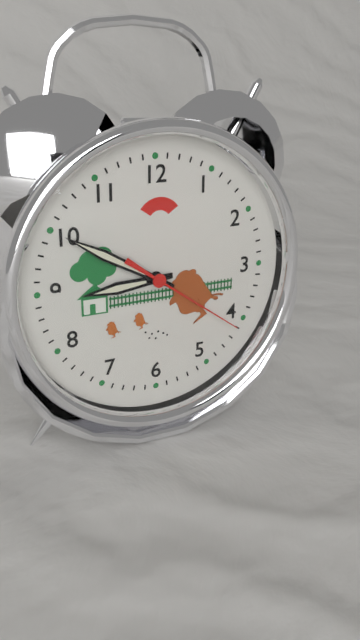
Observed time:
h=8 m=50 s=21
